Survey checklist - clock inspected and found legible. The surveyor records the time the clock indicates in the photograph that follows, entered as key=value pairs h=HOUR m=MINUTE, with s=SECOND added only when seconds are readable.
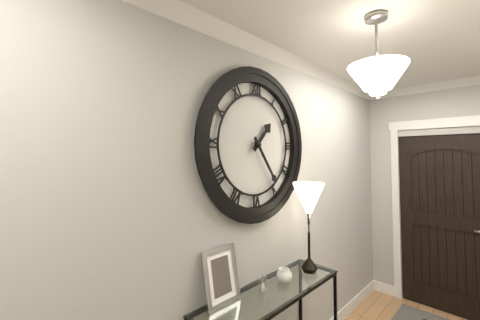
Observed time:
h=1 m=24
